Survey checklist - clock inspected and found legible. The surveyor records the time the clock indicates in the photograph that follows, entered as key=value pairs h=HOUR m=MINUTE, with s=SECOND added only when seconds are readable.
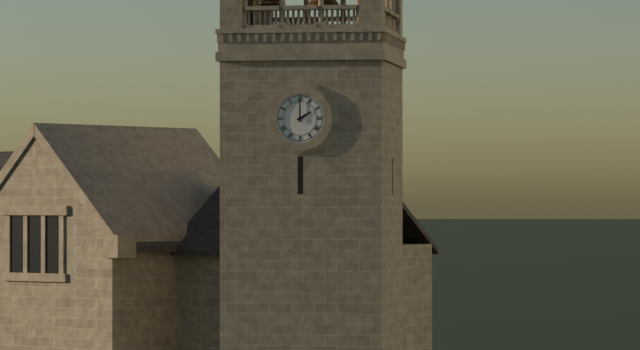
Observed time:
h=2 m=0
